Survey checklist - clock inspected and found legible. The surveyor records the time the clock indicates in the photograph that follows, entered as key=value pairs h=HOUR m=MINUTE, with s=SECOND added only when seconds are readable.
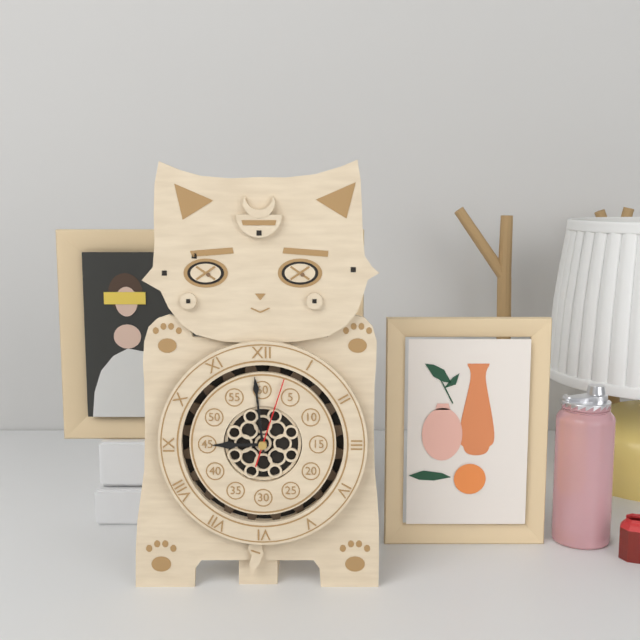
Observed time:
h=8 m=59 s=3
